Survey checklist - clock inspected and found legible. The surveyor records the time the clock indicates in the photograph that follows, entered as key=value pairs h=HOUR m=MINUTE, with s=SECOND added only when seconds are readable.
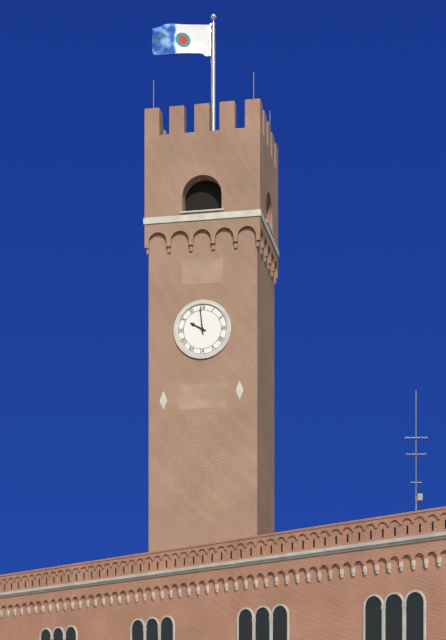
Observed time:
h=9 m=59
